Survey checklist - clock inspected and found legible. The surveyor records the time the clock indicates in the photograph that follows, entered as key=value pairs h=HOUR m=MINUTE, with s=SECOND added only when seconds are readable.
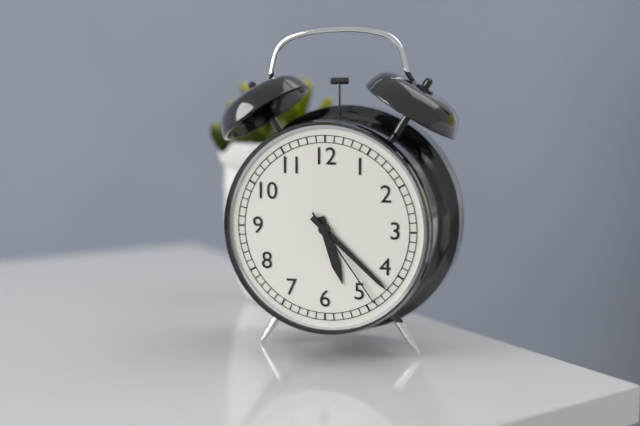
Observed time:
h=5 m=22 s=24
